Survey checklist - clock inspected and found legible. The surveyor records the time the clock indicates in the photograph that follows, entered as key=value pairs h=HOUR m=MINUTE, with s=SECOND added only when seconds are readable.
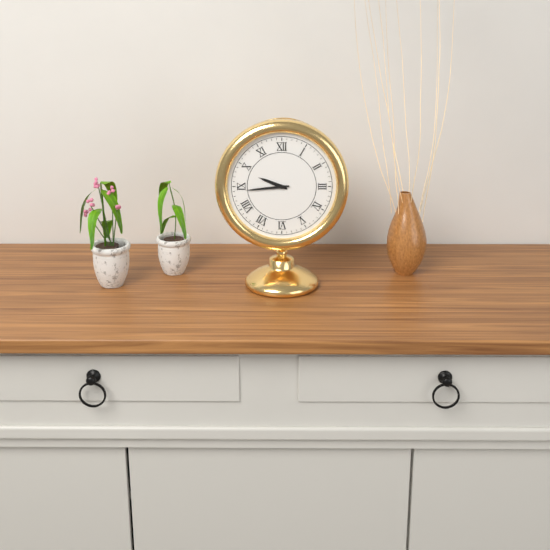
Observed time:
h=9 m=44
